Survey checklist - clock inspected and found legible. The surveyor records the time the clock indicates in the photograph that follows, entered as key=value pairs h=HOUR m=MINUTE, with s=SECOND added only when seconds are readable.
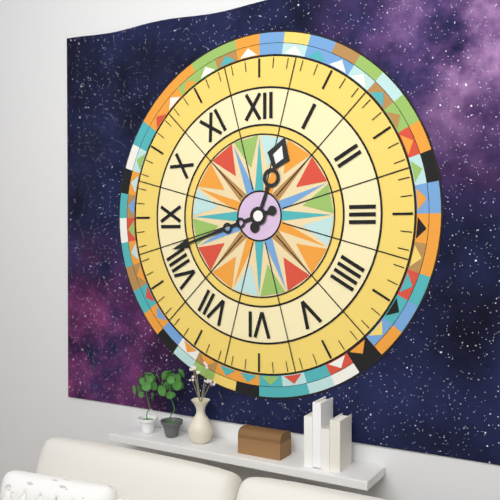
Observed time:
h=12 m=42
